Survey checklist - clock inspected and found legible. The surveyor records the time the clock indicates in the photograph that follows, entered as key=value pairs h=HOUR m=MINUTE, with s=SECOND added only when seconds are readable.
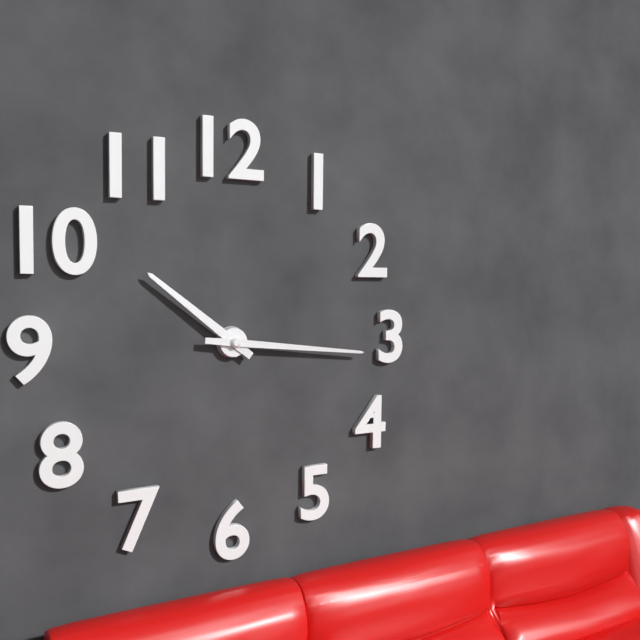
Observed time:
h=10 m=16
